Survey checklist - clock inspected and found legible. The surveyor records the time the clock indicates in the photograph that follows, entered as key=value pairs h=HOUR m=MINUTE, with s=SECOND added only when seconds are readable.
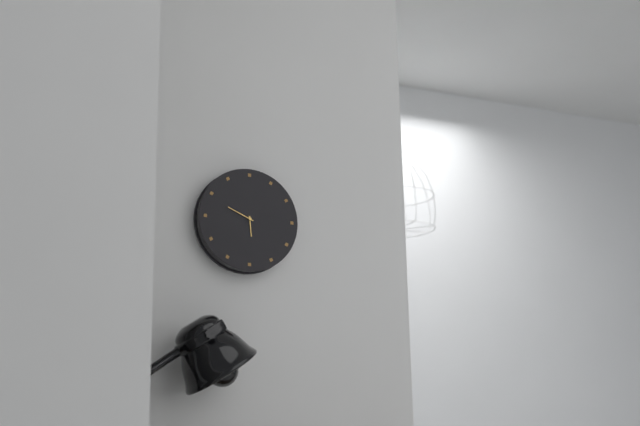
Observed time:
h=5 m=49
